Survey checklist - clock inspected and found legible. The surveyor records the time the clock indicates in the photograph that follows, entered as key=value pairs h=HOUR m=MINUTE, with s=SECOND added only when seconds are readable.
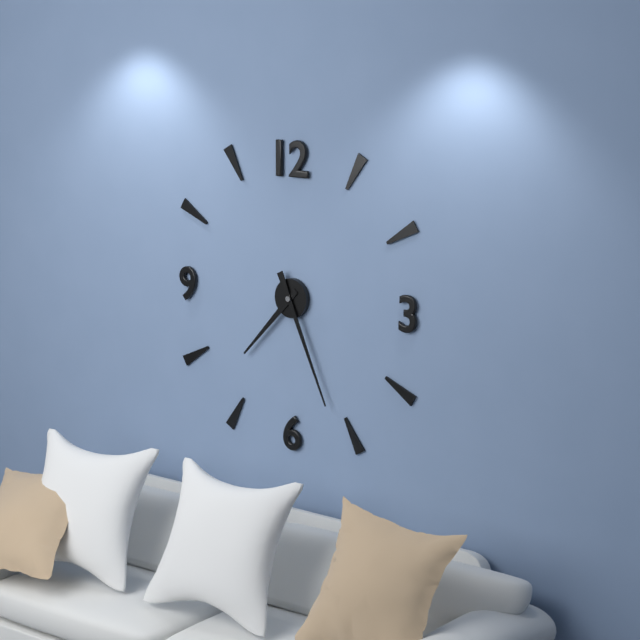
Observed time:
h=7 m=26
